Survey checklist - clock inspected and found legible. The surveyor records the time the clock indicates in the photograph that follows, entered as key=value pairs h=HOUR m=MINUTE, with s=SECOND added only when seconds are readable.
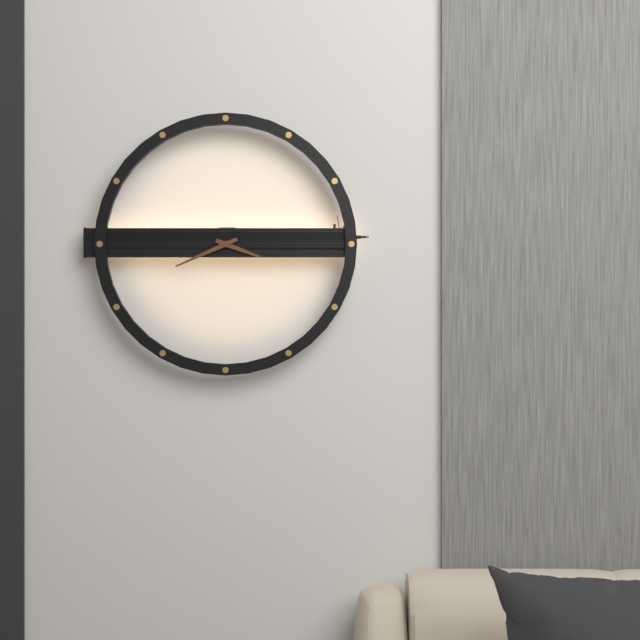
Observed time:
h=3 m=41
